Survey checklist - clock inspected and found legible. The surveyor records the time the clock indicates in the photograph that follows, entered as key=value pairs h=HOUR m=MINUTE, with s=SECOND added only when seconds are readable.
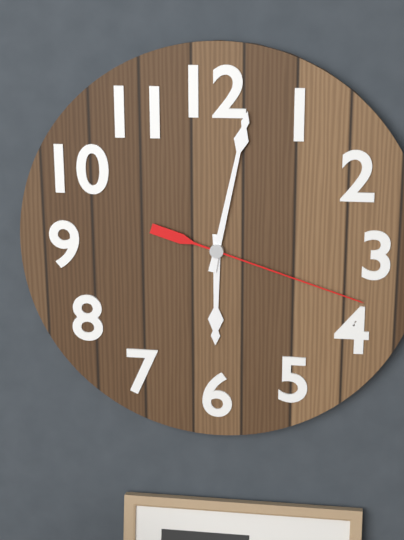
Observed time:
h=6 m=2 s=18
